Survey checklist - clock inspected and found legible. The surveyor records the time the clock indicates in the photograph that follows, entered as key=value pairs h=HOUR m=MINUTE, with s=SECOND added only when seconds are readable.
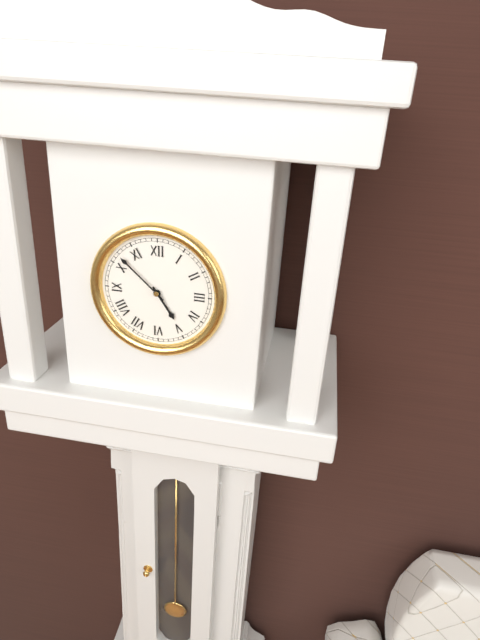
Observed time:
h=4 m=52
